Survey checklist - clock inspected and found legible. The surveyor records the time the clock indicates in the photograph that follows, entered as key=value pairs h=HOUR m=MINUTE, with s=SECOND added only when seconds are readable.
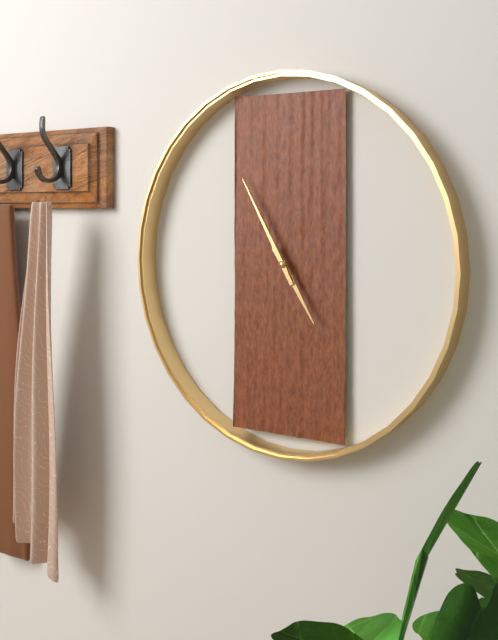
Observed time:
h=4 m=55
